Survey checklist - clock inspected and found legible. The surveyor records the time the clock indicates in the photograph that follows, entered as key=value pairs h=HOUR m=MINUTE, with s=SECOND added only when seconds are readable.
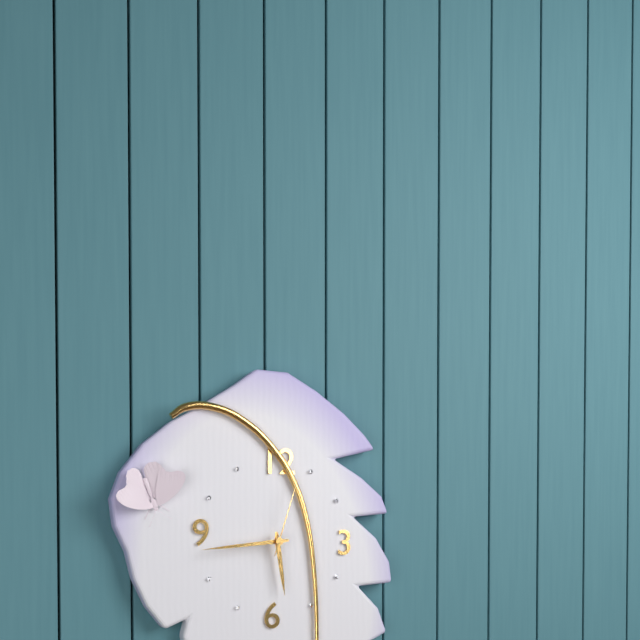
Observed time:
h=5 m=44 s=3
